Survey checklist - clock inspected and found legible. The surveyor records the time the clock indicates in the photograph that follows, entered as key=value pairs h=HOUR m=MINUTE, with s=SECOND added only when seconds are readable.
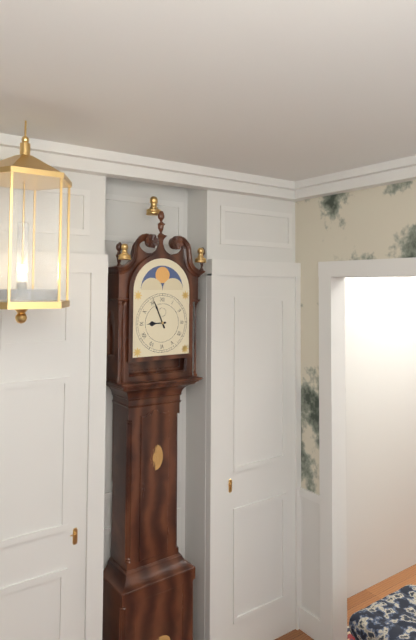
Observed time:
h=8 m=56
